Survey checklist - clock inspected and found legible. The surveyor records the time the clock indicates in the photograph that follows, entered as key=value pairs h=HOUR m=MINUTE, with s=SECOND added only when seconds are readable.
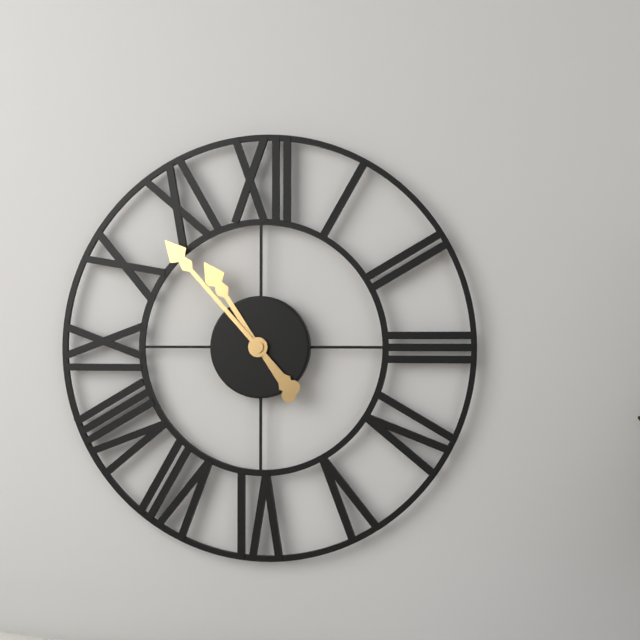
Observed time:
h=10 m=53
